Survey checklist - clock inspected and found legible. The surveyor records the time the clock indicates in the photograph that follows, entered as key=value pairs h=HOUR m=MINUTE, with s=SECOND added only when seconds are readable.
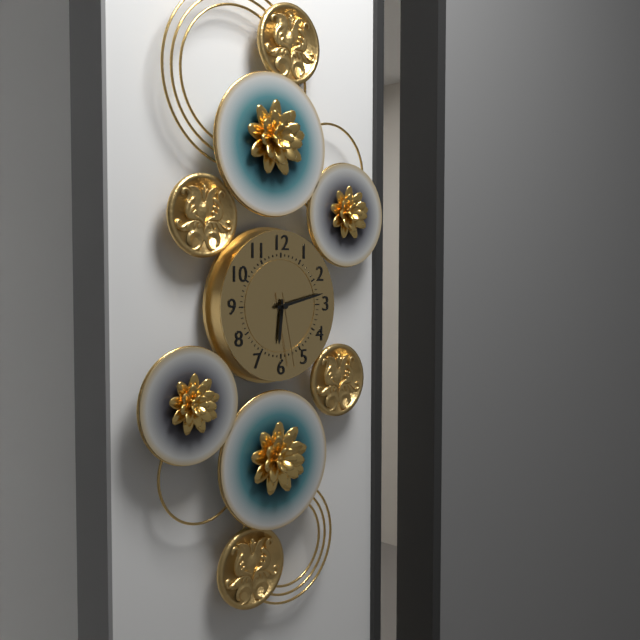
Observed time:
h=6 m=13 s=28
